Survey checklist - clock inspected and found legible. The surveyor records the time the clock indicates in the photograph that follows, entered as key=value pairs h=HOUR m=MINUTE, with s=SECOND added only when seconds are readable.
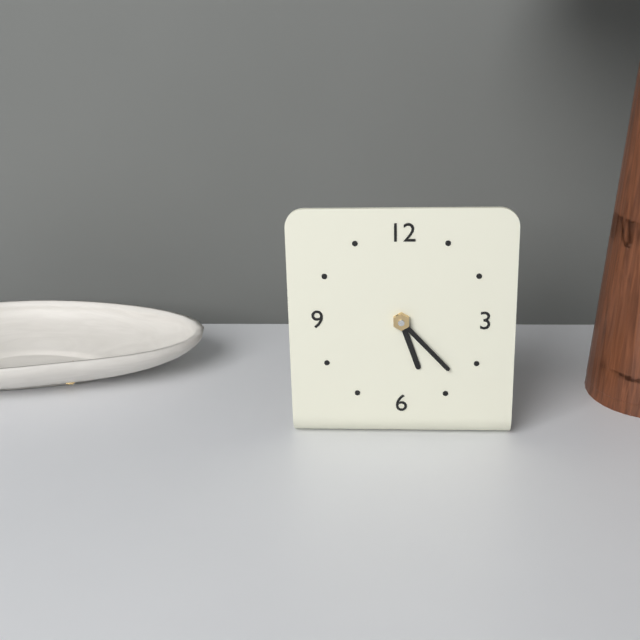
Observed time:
h=5 m=23
